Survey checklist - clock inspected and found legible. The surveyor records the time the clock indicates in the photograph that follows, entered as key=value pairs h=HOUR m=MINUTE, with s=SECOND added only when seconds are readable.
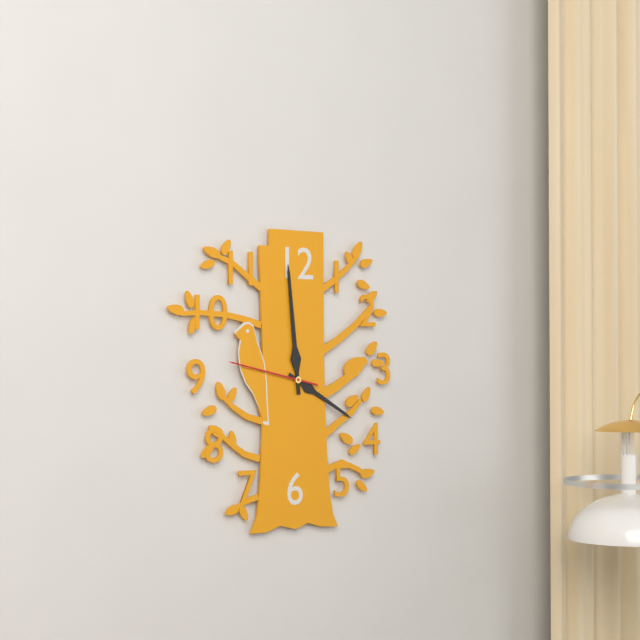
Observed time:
h=3 m=59 s=47
